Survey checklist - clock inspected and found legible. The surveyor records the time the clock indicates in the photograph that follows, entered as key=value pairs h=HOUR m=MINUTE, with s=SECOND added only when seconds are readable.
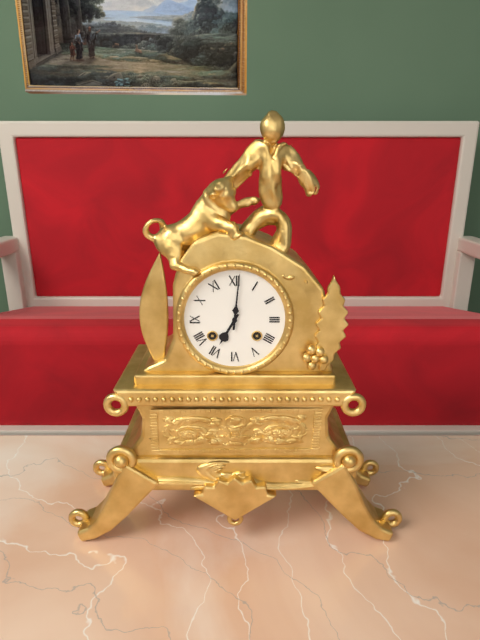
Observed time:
h=7 m=1
